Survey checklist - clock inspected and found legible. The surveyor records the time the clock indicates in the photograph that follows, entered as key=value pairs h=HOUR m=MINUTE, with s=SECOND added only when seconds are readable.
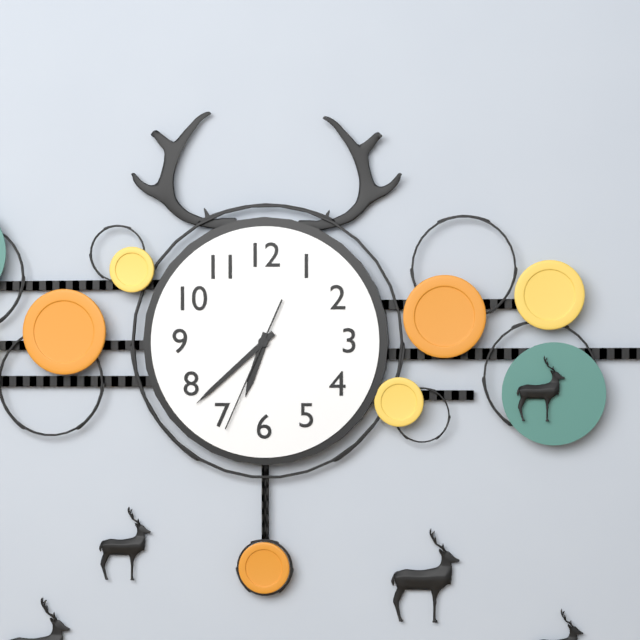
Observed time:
h=6 m=38 s=34
